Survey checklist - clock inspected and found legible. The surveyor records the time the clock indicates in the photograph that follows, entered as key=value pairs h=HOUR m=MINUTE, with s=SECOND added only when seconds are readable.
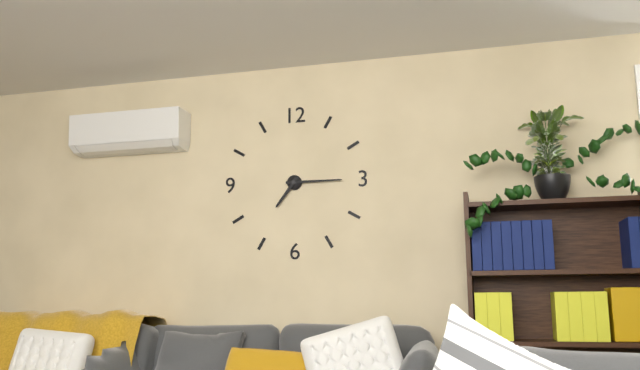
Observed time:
h=7 m=15
